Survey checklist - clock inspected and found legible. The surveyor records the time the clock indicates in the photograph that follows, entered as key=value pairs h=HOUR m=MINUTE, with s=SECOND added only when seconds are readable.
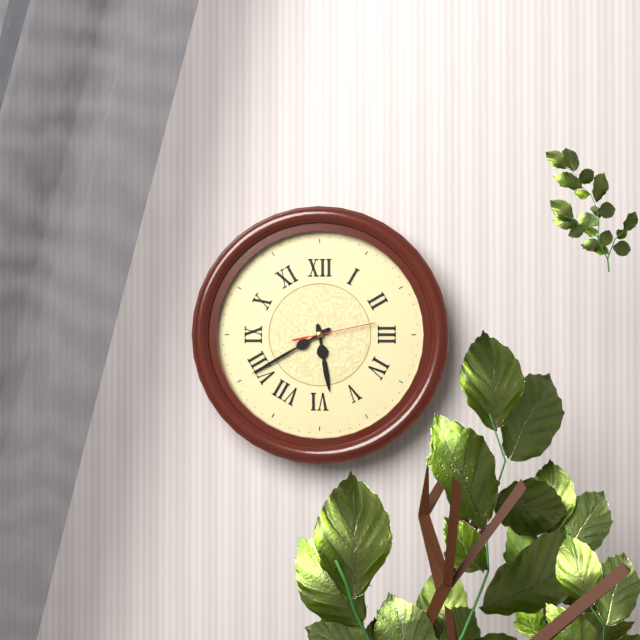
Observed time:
h=5 m=40 s=13
